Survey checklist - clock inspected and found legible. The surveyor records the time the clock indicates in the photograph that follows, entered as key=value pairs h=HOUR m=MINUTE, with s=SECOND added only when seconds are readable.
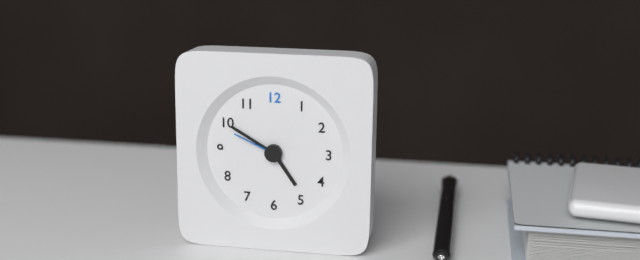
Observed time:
h=4 m=50 s=49
